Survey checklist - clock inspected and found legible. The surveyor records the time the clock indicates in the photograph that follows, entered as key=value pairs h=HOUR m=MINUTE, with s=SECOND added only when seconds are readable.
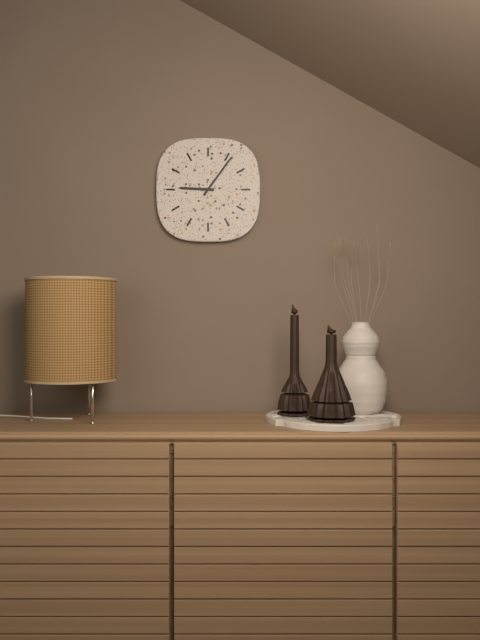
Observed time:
h=9 m=6
